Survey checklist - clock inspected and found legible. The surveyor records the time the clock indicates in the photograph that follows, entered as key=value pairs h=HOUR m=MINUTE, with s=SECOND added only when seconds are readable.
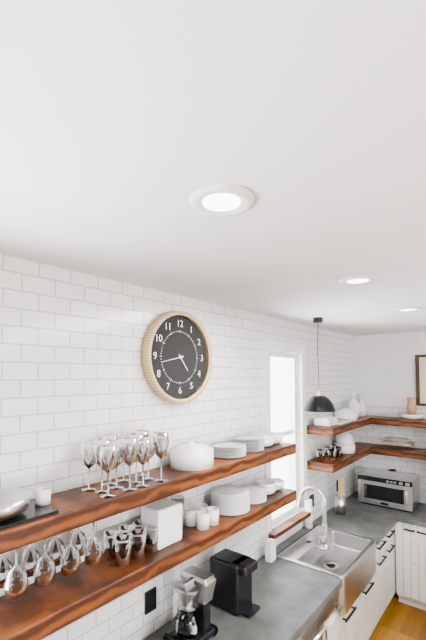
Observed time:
h=4 m=43
